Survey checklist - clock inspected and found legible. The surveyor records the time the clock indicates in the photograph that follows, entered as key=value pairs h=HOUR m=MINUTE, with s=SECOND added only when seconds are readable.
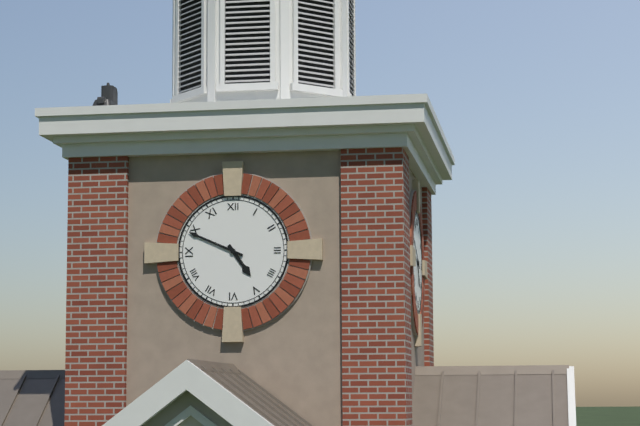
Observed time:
h=4 m=49
